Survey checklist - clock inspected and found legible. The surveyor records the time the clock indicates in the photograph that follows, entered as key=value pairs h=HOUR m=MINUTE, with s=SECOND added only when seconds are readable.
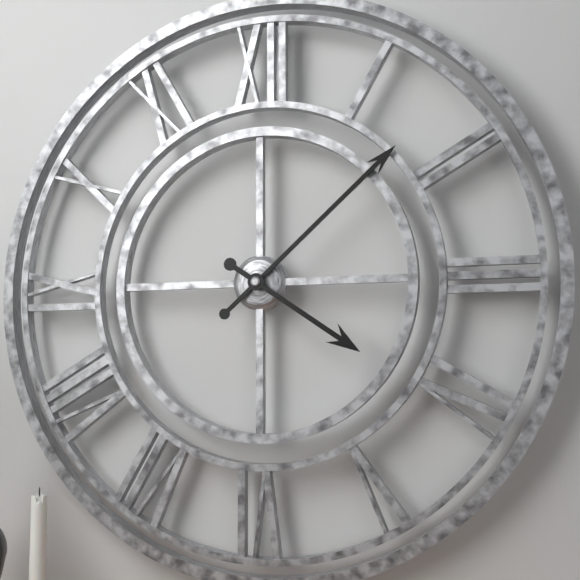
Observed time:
h=4 m=8
